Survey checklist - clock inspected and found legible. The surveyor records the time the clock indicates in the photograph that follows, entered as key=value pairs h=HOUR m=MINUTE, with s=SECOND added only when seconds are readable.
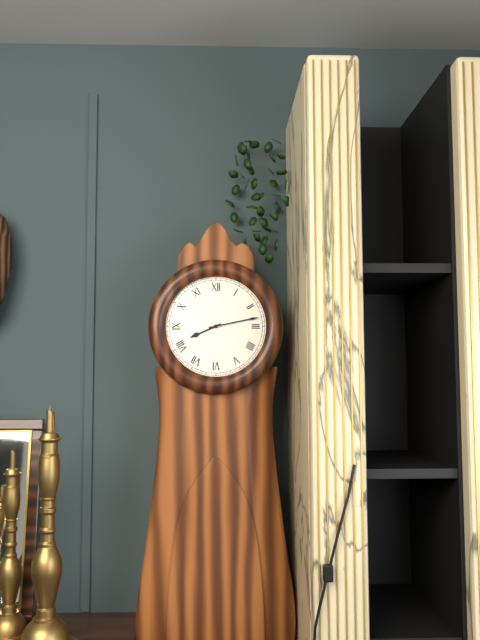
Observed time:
h=8 m=13
